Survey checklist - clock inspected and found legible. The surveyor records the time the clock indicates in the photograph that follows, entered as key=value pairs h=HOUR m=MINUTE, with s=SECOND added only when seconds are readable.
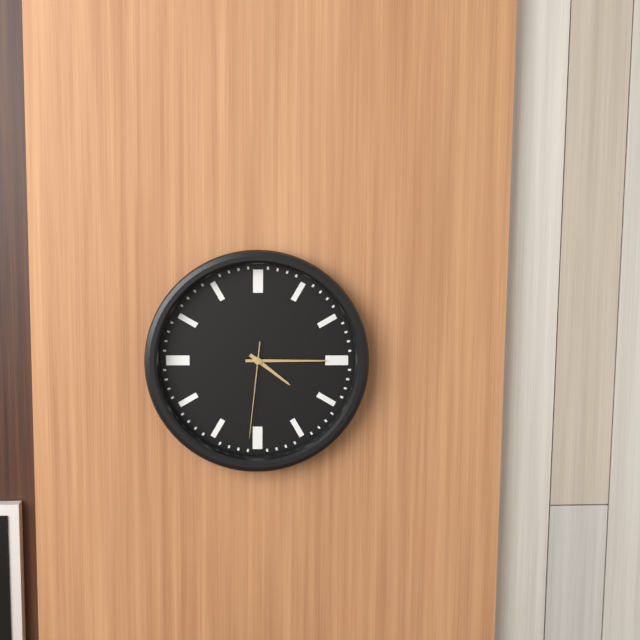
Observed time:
h=4 m=15 s=31
